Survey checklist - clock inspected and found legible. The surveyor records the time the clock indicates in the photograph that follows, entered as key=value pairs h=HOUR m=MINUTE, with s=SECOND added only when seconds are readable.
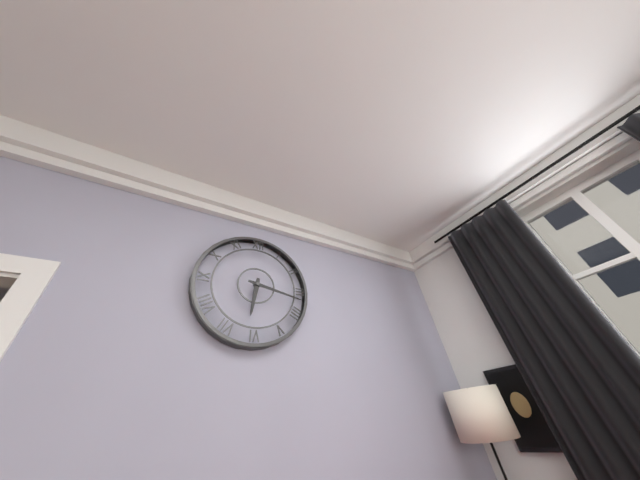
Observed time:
h=6 m=17
